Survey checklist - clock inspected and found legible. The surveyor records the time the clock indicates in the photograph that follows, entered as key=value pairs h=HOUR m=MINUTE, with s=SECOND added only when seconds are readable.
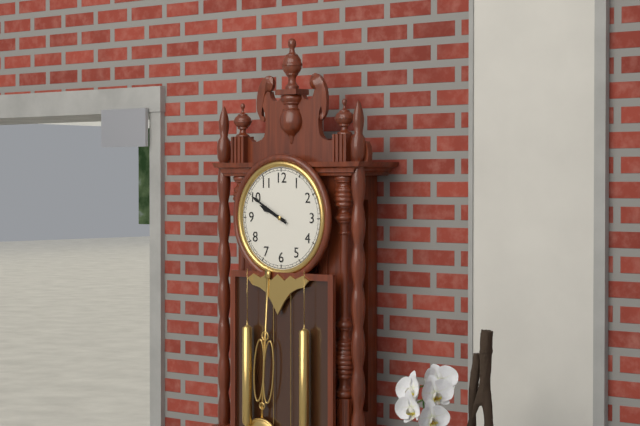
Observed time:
h=9 m=50
